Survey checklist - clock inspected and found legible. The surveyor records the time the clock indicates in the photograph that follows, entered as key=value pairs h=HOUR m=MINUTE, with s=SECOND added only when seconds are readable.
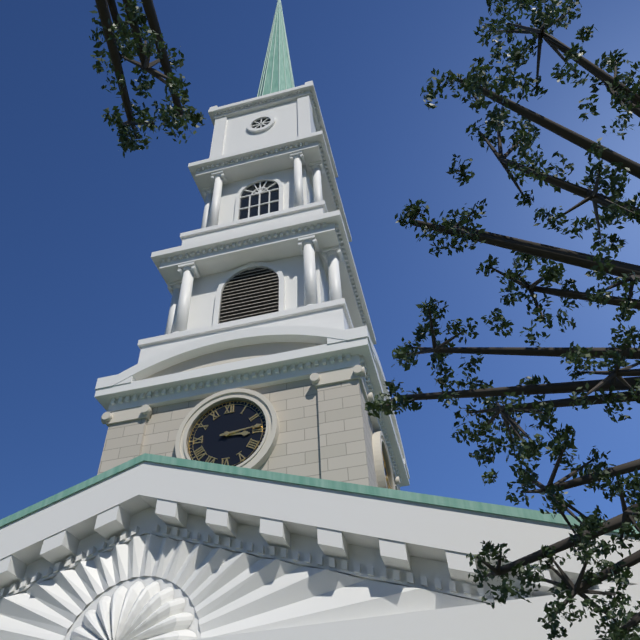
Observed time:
h=3 m=14
